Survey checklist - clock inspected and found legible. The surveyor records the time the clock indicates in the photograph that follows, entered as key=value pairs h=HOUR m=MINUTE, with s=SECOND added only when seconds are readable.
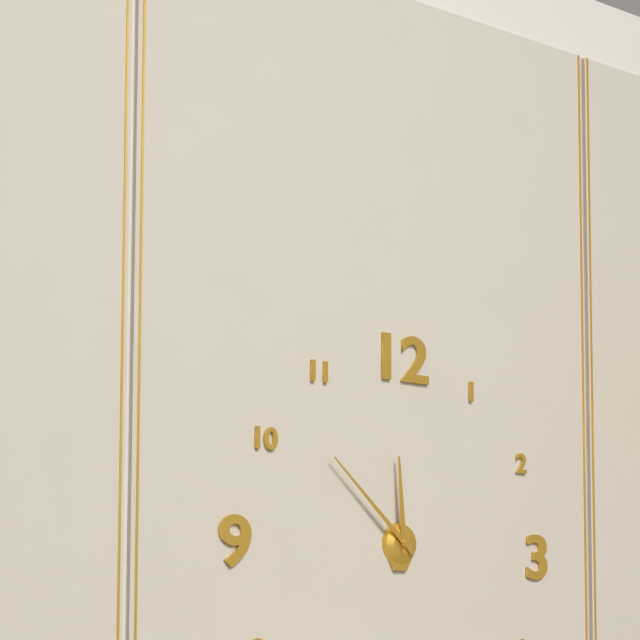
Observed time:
h=11 m=52
